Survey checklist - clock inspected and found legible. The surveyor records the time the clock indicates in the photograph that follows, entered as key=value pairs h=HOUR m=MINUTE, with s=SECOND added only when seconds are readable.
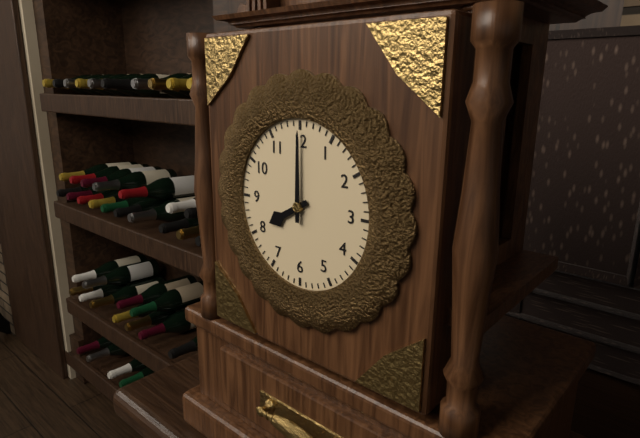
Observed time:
h=8 m=0
